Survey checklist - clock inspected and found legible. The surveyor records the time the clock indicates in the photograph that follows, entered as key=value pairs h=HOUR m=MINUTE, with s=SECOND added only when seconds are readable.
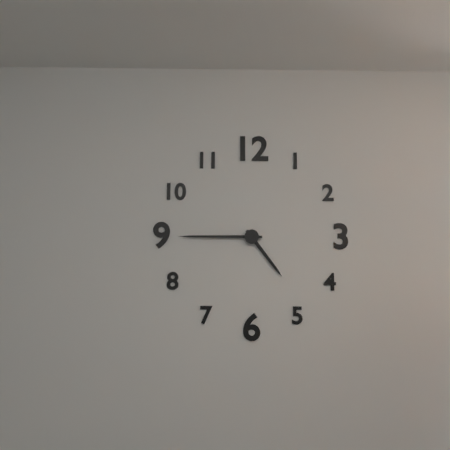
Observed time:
h=4 m=45
